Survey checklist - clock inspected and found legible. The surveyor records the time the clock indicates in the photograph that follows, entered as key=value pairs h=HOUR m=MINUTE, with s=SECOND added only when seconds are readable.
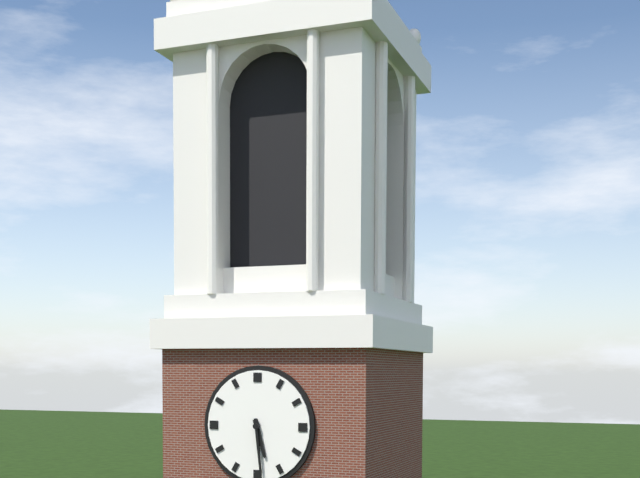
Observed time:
h=5 m=29
